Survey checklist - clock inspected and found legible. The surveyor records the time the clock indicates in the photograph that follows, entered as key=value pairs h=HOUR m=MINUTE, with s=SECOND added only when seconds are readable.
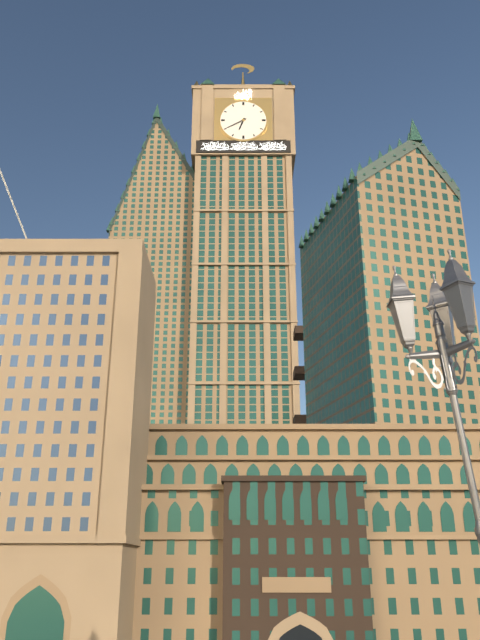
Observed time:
h=6 m=40
